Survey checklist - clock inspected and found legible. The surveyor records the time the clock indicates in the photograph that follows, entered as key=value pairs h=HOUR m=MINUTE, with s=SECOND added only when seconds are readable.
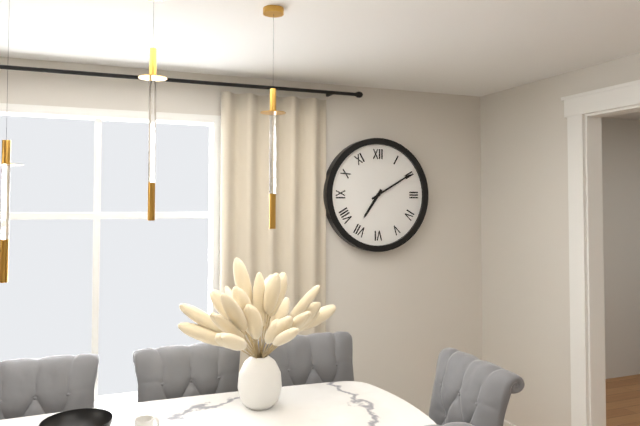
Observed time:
h=7 m=10
